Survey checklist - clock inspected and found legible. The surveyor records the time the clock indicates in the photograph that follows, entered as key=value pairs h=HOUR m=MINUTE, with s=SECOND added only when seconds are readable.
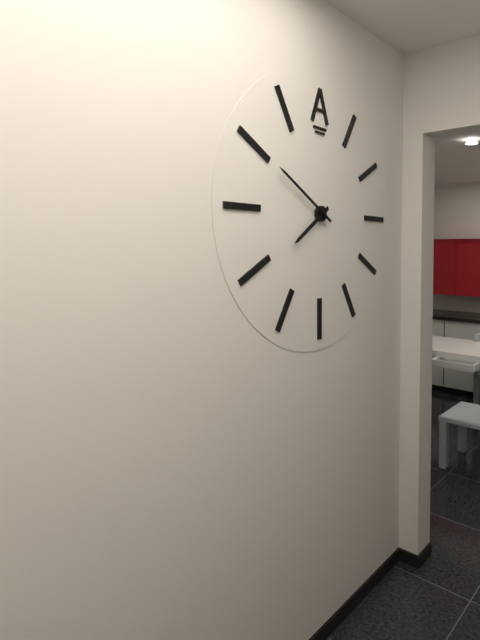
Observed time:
h=7 m=50
